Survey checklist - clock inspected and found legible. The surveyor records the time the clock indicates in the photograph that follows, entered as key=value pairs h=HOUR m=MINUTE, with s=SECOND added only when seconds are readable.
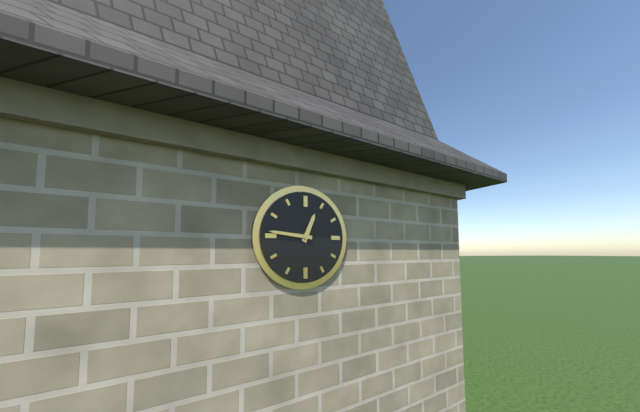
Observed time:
h=12 m=46
